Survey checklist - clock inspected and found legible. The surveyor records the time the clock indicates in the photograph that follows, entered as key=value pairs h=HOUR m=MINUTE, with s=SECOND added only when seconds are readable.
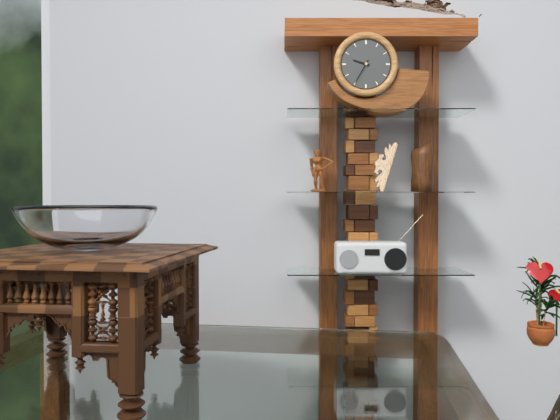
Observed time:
h=9 m=35
